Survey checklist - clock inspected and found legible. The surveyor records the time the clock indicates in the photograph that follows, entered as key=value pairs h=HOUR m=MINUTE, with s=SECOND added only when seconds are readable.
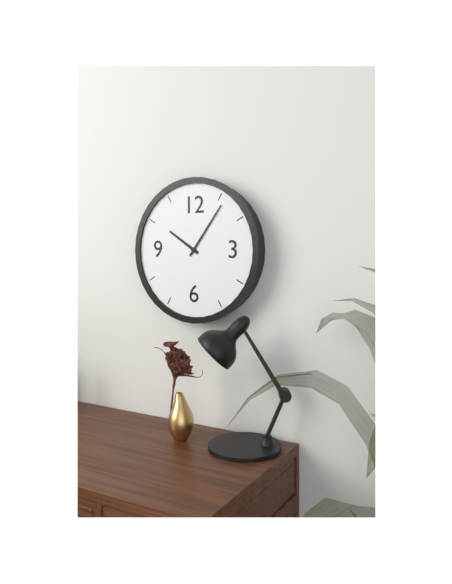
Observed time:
h=10 m=6
